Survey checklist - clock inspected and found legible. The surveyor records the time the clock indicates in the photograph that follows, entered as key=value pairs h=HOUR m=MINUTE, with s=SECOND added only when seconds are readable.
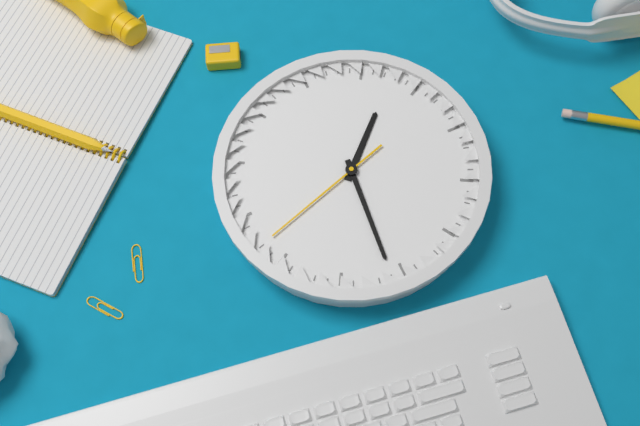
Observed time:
h=1 m=31 s=42
